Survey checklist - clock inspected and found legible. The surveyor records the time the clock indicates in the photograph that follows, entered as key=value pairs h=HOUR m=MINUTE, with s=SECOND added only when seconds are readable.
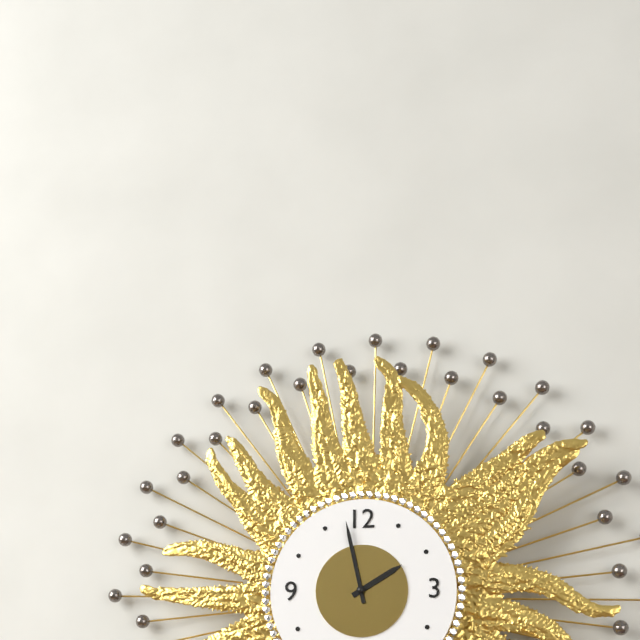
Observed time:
h=1 m=58
